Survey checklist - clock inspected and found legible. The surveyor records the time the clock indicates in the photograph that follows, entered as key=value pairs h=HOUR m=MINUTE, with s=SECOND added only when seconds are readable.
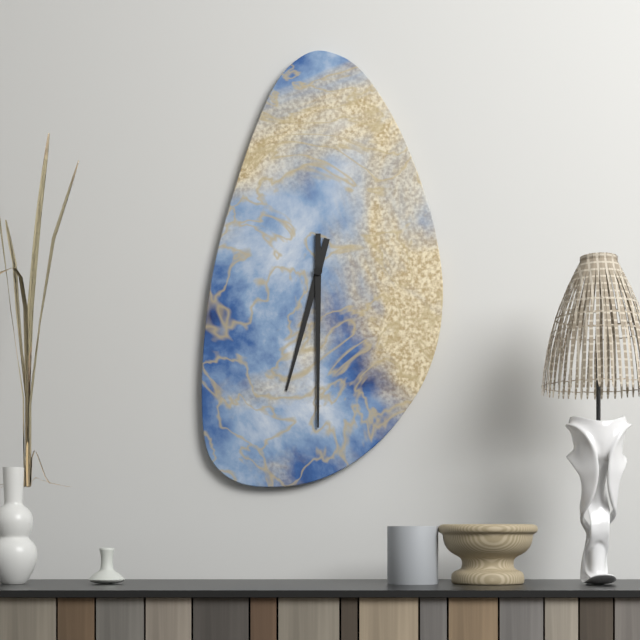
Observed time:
h=6 m=30
